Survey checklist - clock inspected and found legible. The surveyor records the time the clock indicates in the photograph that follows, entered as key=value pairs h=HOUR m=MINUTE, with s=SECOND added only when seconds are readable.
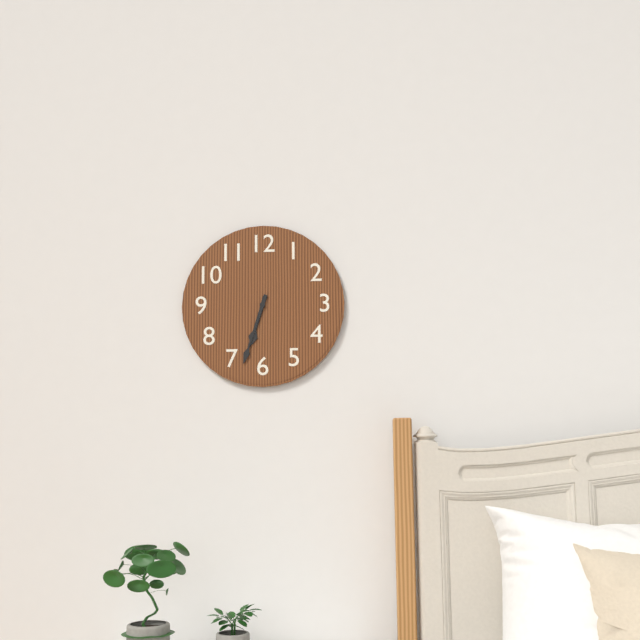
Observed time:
h=6 m=33
